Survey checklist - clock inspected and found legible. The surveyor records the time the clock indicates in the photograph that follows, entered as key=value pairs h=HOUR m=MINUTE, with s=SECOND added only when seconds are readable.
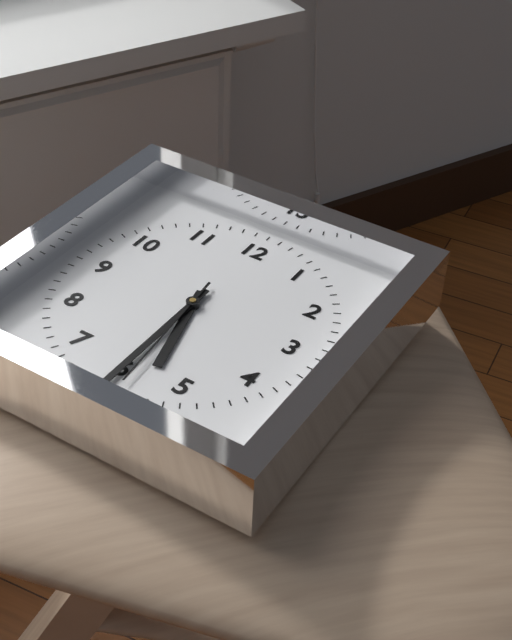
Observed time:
h=5 m=30 s=29
